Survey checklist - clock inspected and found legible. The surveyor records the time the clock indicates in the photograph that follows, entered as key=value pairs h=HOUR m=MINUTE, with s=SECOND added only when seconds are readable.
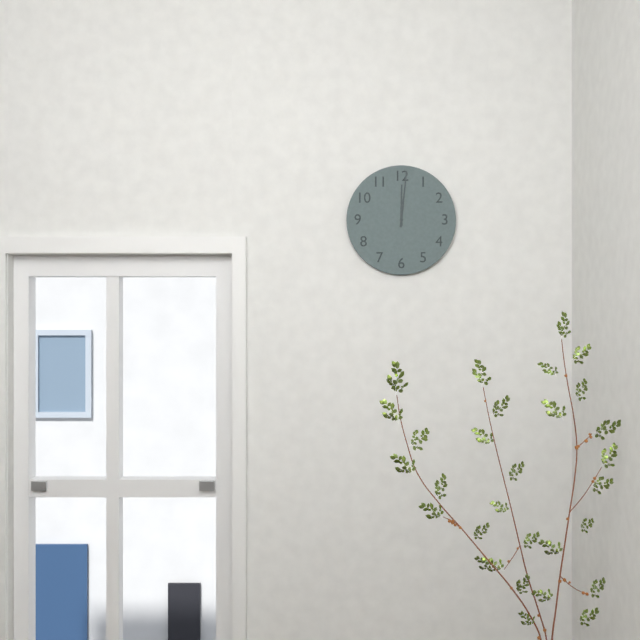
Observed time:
h=12 m=1
